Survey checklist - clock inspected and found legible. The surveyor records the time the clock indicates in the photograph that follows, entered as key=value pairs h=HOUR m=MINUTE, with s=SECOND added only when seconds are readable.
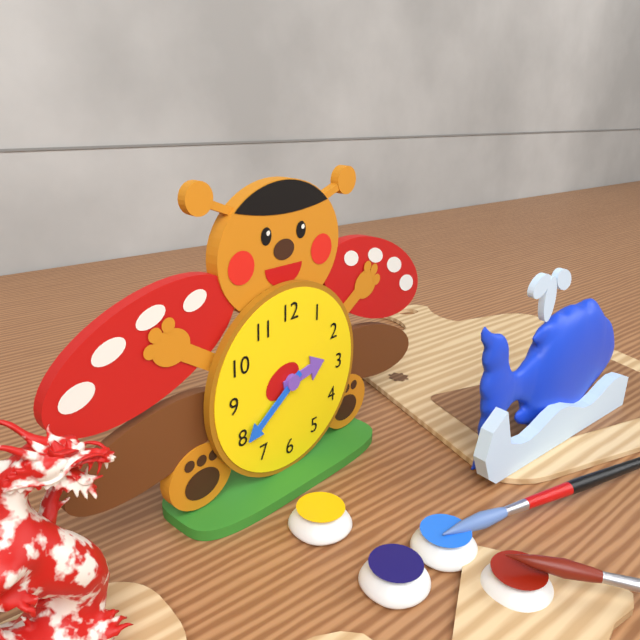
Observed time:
h=2 m=39
